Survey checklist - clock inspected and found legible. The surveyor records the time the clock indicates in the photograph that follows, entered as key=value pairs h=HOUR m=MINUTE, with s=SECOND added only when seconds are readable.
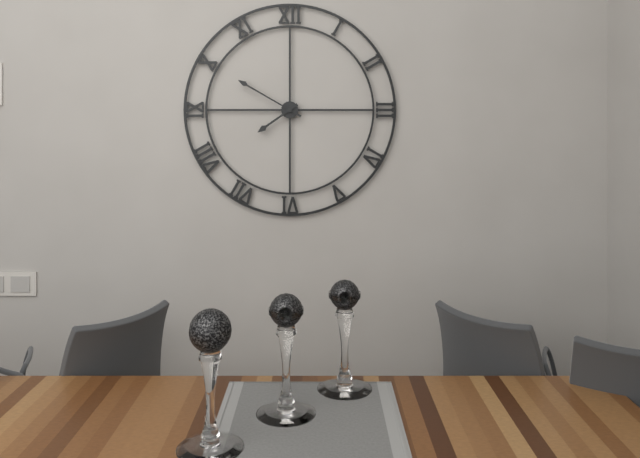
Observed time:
h=7 m=50
